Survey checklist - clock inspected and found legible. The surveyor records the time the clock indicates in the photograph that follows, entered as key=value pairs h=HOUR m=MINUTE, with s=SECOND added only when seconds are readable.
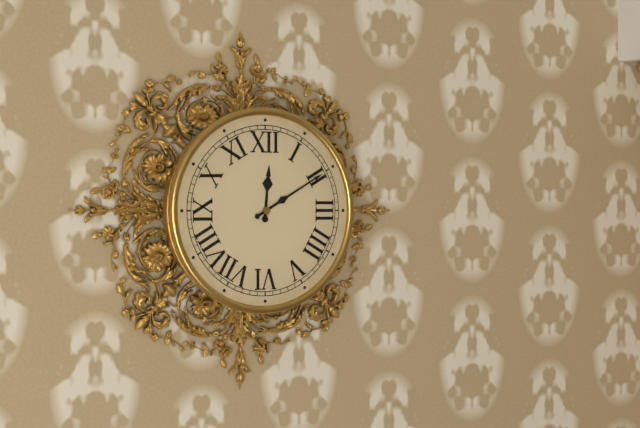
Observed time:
h=12 m=10
